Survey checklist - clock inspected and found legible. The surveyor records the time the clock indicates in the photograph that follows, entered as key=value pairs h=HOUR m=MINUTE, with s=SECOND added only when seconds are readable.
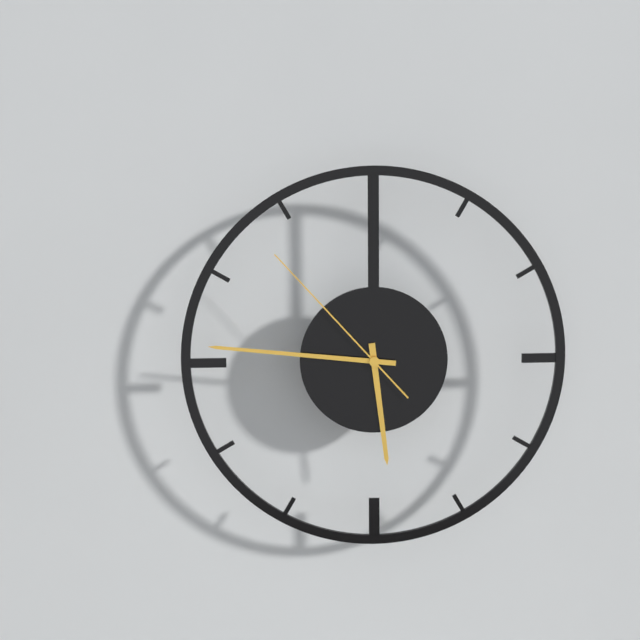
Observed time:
h=5 m=46 s=53
